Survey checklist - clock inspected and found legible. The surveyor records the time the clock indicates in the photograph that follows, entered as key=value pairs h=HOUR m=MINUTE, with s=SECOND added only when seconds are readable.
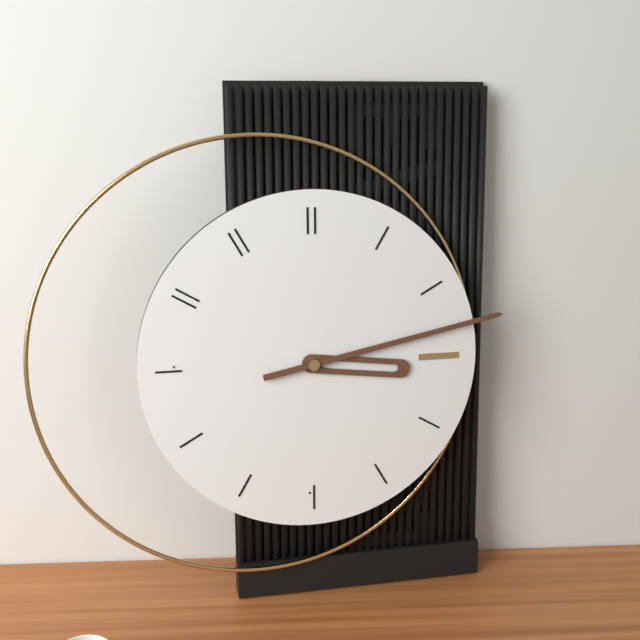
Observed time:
h=3 m=13
